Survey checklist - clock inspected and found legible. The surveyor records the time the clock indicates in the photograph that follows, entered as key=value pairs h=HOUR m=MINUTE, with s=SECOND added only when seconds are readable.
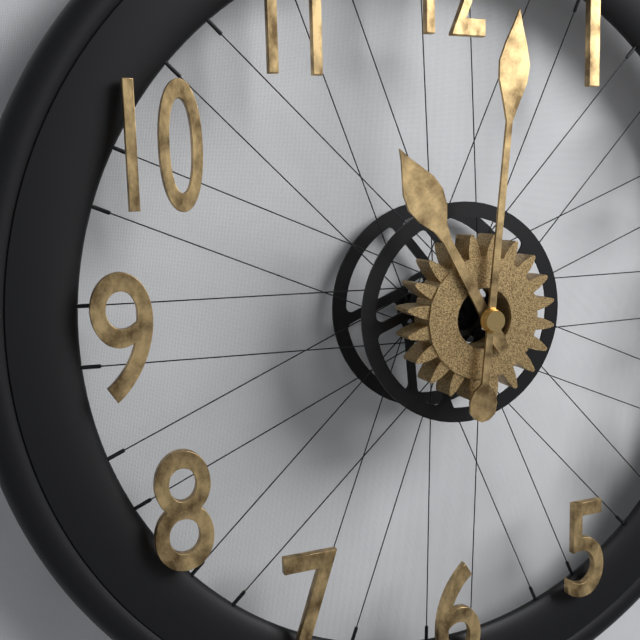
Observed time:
h=11 m=1
